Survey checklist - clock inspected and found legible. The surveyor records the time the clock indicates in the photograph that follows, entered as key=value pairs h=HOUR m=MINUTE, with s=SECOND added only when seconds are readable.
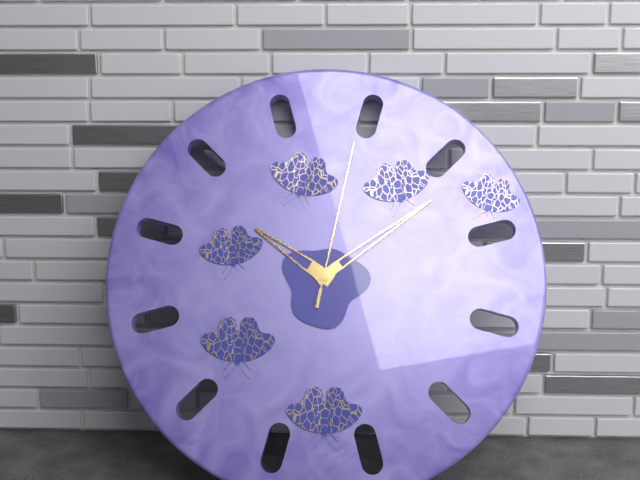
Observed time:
h=10 m=9 s=2
